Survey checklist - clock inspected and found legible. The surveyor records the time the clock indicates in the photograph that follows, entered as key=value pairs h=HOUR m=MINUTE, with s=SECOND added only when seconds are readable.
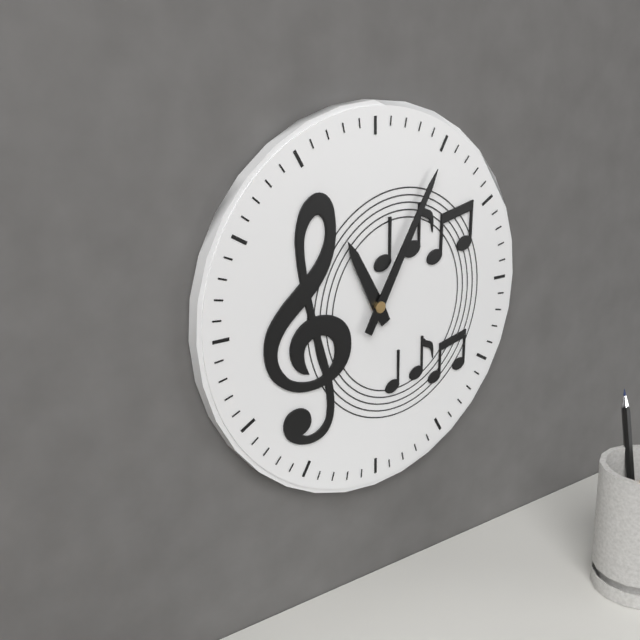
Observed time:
h=11 m=5
